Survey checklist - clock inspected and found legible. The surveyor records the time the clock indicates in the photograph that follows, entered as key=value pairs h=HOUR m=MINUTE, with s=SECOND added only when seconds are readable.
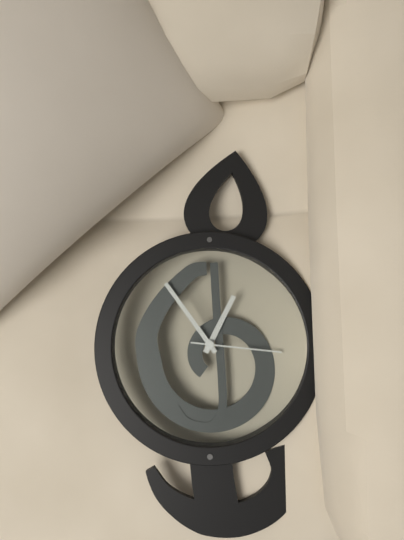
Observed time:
h=12 m=54 s=16
